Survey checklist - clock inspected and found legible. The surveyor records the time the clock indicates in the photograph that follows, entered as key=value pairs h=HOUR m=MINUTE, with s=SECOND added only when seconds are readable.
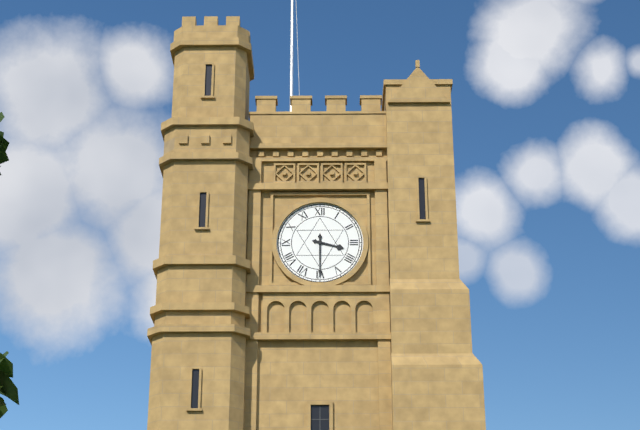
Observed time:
h=3 m=30
